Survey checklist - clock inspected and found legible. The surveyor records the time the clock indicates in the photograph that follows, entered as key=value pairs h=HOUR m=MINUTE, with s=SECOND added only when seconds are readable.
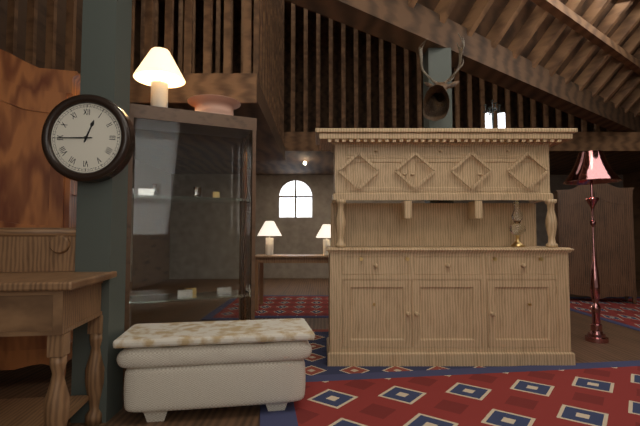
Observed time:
h=12 m=45
